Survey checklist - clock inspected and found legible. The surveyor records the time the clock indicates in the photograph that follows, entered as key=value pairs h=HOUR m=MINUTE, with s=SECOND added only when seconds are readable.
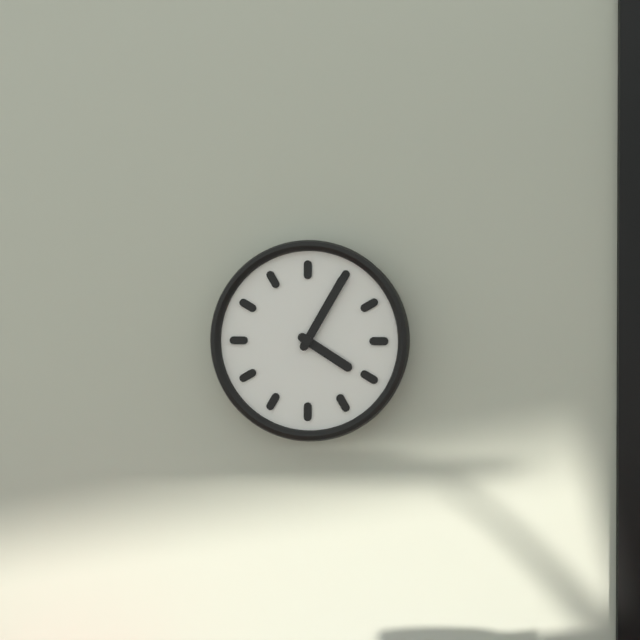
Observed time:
h=4 m=5
